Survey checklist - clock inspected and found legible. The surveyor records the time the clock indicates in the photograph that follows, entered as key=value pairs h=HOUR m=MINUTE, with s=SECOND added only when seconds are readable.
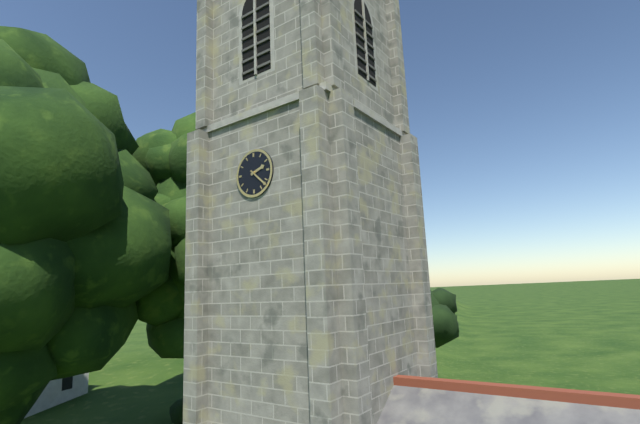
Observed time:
h=2 m=22
